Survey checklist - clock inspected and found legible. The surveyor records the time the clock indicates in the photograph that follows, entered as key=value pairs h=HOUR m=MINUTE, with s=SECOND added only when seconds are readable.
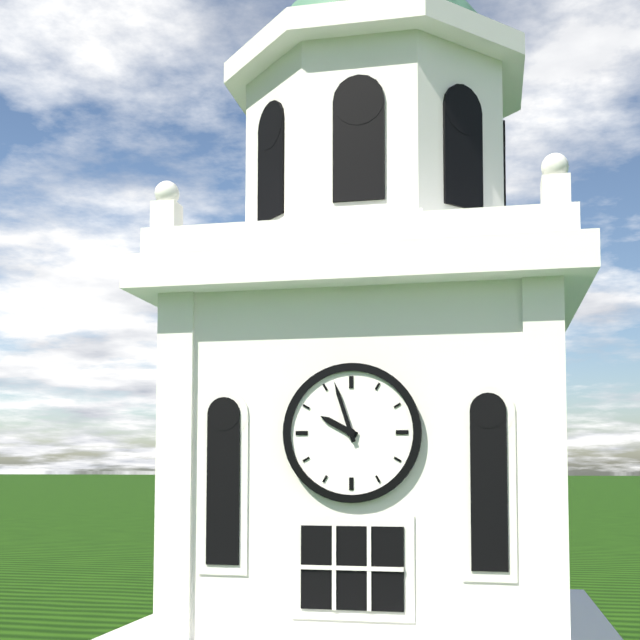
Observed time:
h=9 m=57
